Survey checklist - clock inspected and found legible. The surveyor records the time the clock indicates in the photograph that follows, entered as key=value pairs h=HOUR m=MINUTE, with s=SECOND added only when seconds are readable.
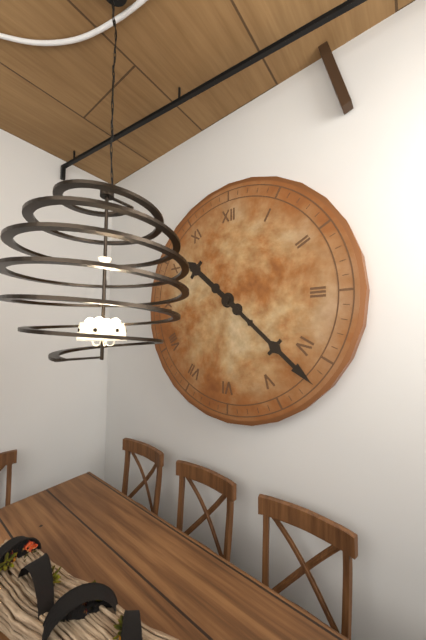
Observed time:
h=10 m=22
